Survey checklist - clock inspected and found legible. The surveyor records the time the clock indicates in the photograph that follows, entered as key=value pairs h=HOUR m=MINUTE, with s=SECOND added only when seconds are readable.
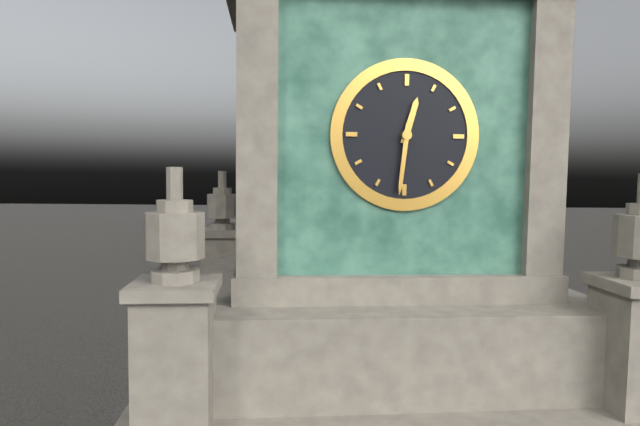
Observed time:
h=12 m=31
